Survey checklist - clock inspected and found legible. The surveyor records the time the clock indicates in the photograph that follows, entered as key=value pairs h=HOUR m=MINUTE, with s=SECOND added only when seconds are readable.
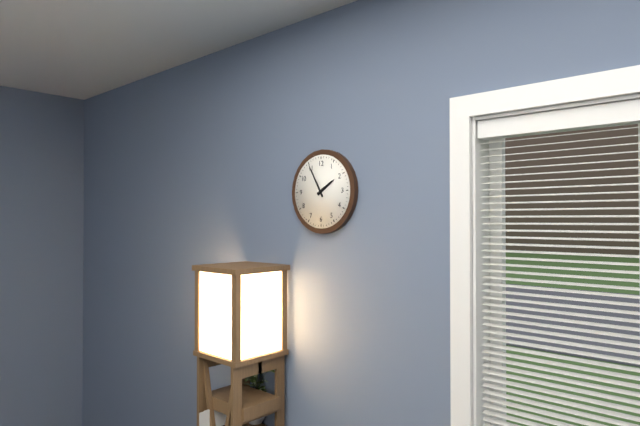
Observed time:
h=1 m=55
